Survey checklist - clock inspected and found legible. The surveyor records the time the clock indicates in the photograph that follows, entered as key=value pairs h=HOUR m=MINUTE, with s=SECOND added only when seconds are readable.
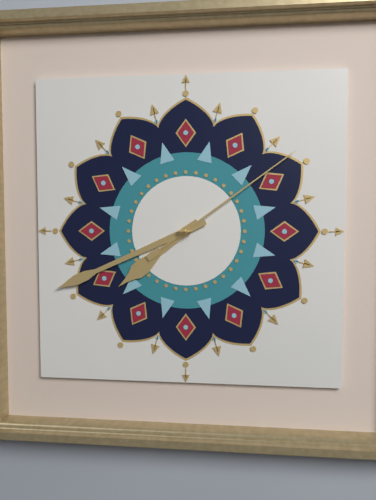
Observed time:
h=7 m=41 s=9
